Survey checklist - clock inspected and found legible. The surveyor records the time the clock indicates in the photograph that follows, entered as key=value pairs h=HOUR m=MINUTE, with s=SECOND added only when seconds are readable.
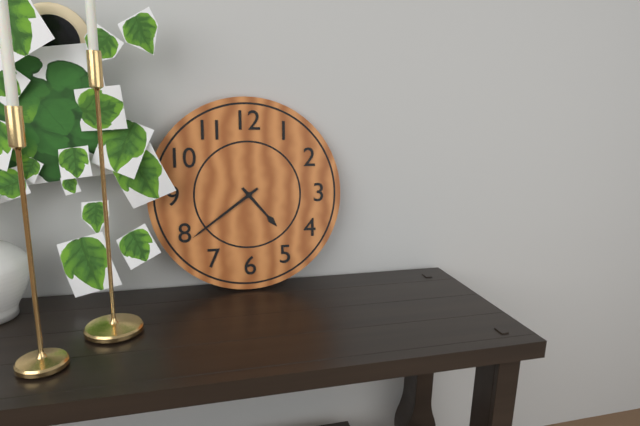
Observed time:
h=4 m=39
